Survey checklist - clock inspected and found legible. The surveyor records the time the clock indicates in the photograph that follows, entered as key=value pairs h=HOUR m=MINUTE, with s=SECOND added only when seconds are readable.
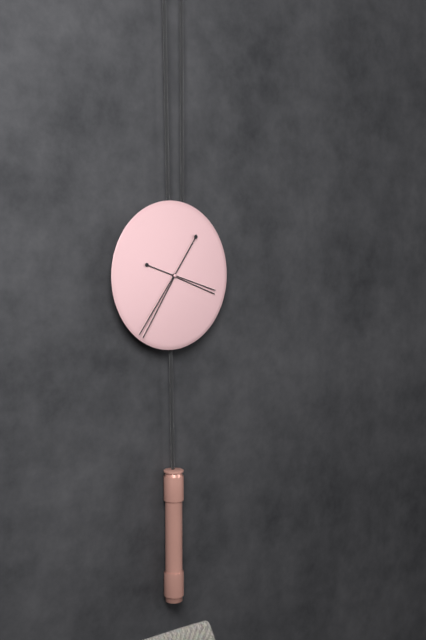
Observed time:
h=3 m=36
